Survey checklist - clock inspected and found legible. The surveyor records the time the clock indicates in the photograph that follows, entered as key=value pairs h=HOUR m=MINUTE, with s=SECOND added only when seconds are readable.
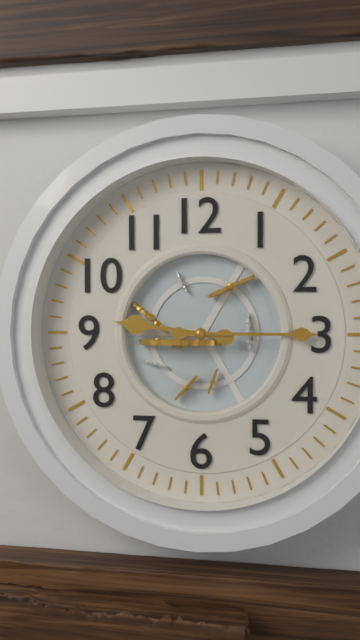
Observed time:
h=9 m=15
